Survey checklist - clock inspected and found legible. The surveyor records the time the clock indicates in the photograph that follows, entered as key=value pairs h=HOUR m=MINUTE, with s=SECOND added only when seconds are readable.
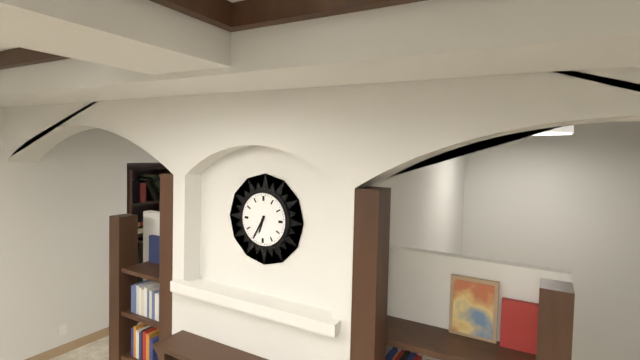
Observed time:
h=6 m=35
